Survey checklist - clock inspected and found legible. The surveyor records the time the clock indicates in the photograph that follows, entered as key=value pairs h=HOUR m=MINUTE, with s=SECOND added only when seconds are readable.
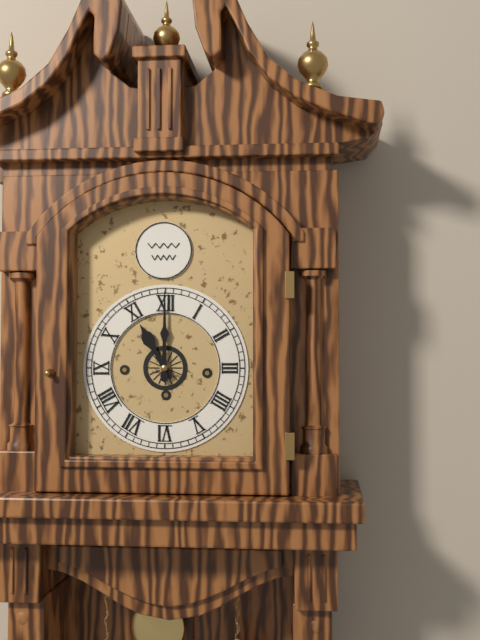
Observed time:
h=11 m=0
